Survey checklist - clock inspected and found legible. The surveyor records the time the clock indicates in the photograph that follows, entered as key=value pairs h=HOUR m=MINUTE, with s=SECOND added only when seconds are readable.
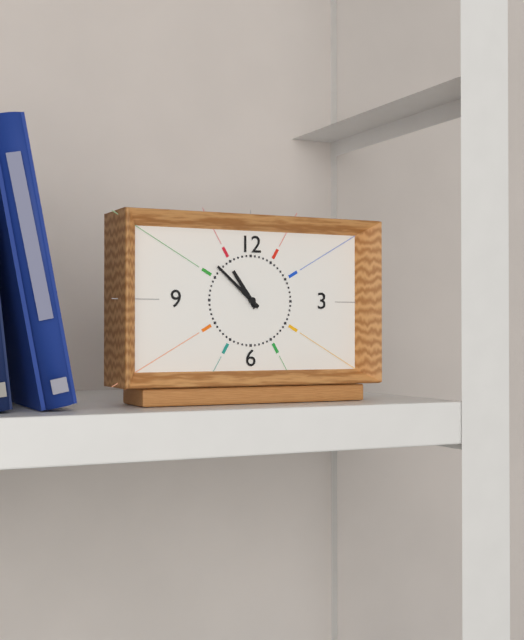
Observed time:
h=10 m=52
